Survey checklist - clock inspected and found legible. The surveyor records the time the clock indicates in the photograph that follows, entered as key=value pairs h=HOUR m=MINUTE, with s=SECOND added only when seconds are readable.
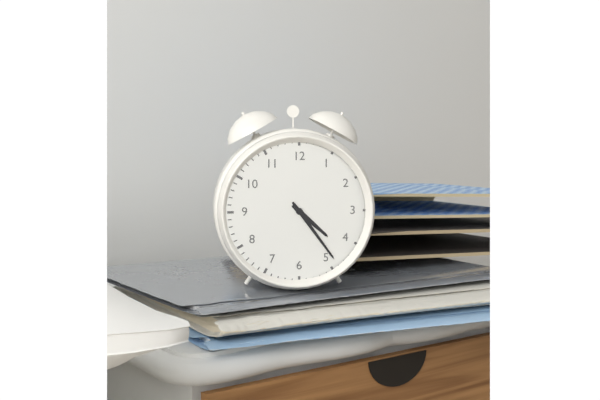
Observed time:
h=4 m=24
